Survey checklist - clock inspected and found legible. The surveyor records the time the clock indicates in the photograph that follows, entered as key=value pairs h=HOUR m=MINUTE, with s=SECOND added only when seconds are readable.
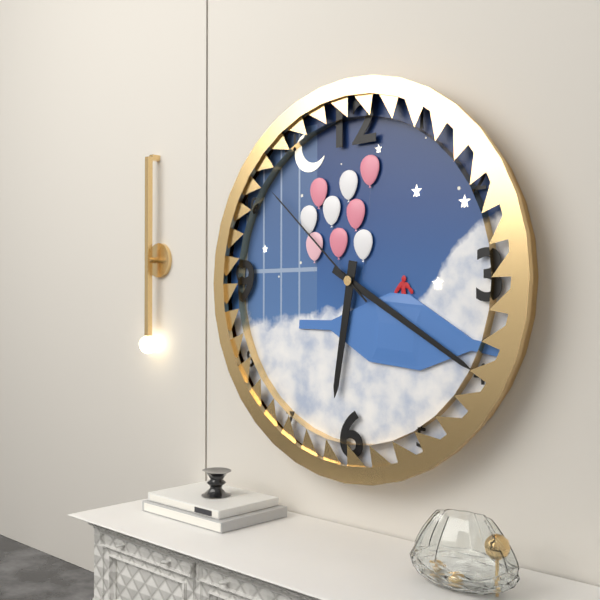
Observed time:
h=6 m=20 s=52
